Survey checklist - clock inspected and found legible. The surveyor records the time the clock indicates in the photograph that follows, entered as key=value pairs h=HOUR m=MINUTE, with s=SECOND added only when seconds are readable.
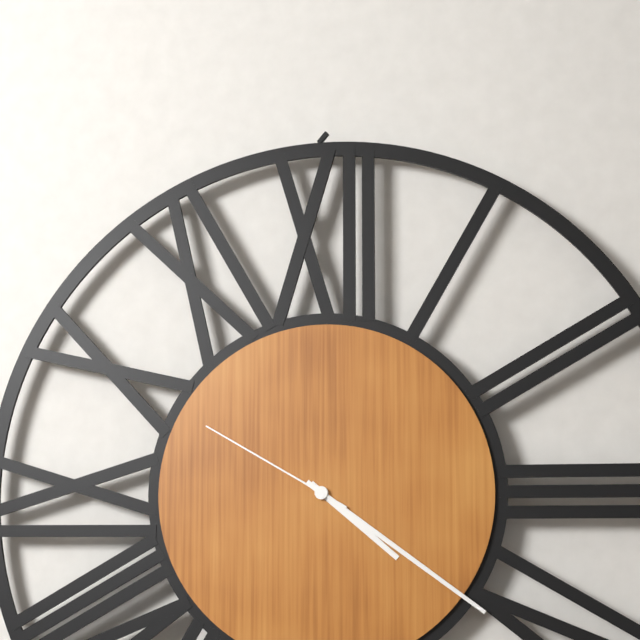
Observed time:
h=4 m=21 s=50
